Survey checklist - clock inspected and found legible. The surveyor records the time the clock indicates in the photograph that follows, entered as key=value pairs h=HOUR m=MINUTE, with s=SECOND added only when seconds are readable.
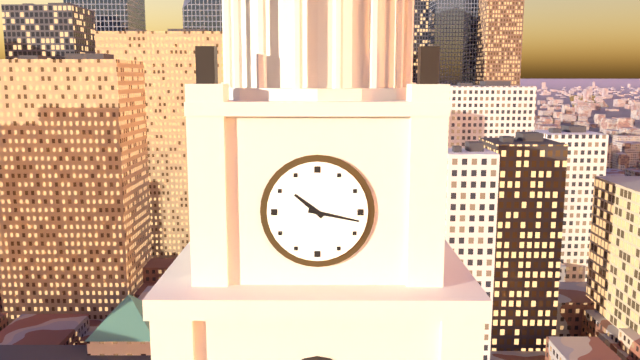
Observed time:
h=10 m=17
